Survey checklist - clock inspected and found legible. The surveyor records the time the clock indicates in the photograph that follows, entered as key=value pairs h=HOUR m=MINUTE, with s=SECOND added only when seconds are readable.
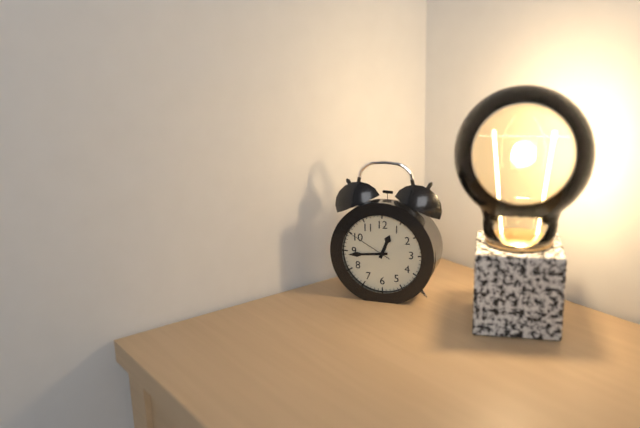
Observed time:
h=12 m=44
